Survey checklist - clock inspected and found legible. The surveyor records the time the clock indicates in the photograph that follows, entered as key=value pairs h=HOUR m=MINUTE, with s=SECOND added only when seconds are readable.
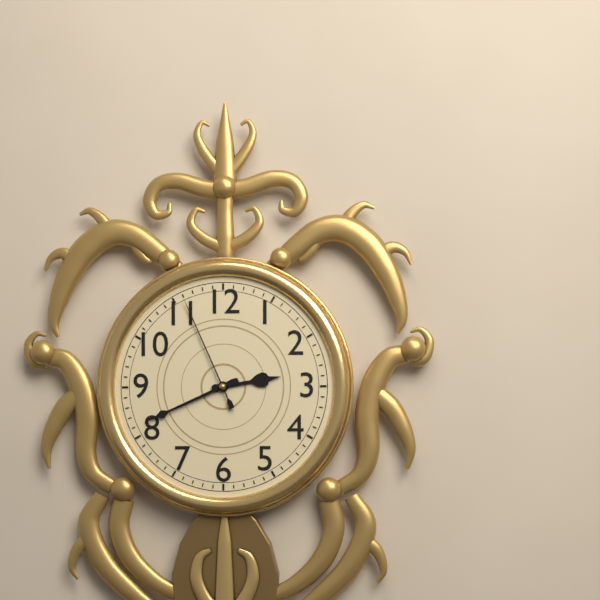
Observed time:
h=2 m=41 s=56
